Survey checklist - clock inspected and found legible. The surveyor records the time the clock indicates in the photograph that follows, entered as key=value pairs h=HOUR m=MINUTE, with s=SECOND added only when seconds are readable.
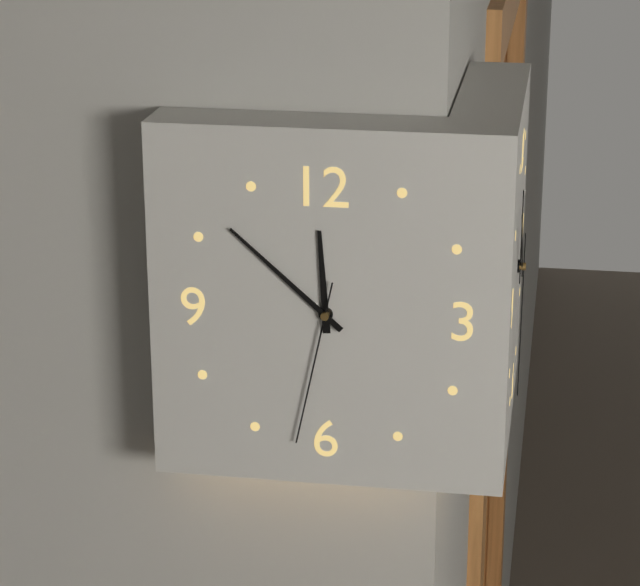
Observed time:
h=11 m=52 s=32
